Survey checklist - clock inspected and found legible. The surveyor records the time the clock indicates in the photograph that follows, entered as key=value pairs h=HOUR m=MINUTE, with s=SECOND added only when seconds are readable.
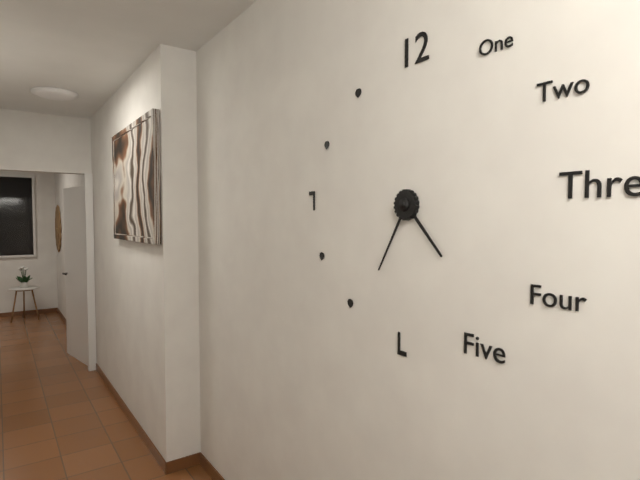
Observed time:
h=4 m=35
